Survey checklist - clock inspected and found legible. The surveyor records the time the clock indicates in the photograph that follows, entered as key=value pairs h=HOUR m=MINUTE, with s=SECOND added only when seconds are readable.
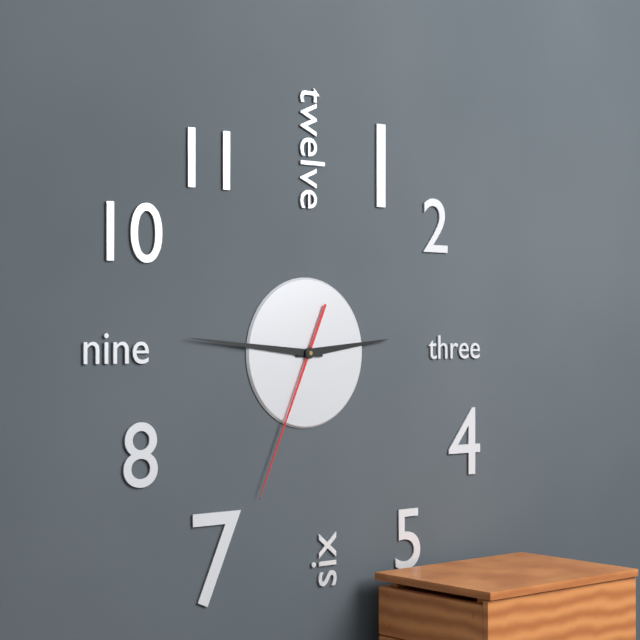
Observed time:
h=2 m=46 s=34
